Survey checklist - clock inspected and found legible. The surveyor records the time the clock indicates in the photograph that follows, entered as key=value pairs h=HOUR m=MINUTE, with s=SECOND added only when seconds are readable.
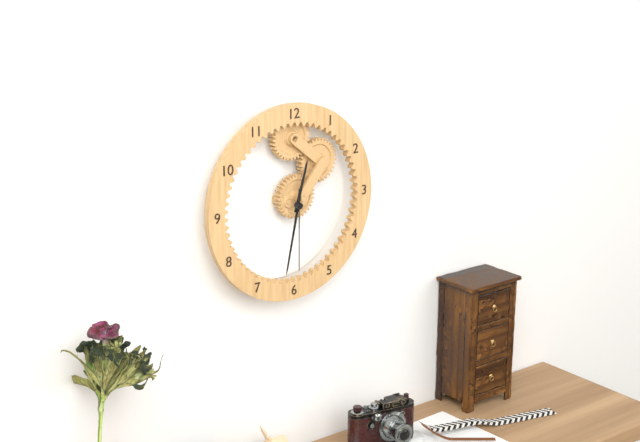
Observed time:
h=12 m=32 s=30
